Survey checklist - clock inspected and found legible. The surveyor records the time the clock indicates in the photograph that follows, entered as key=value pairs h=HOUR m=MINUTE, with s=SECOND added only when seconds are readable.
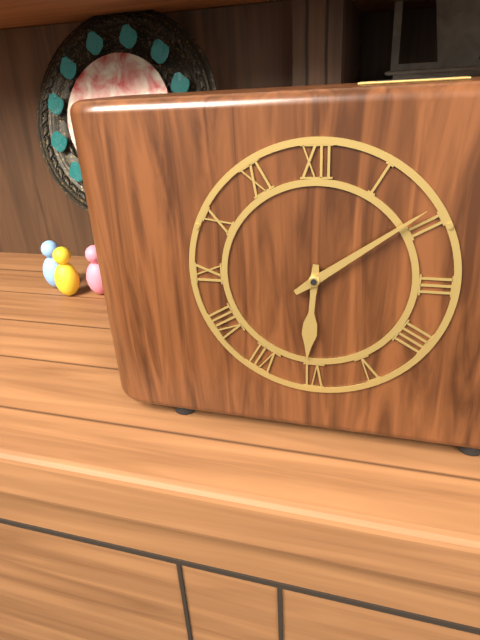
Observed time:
h=6 m=9
